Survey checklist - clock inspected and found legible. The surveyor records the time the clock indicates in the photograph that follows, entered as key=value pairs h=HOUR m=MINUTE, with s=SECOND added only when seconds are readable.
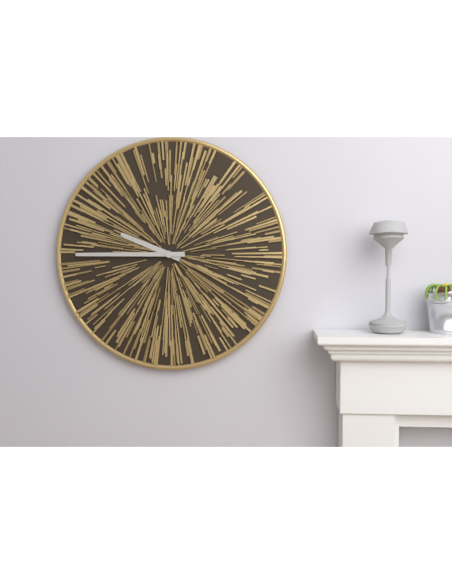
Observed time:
h=9 m=45
